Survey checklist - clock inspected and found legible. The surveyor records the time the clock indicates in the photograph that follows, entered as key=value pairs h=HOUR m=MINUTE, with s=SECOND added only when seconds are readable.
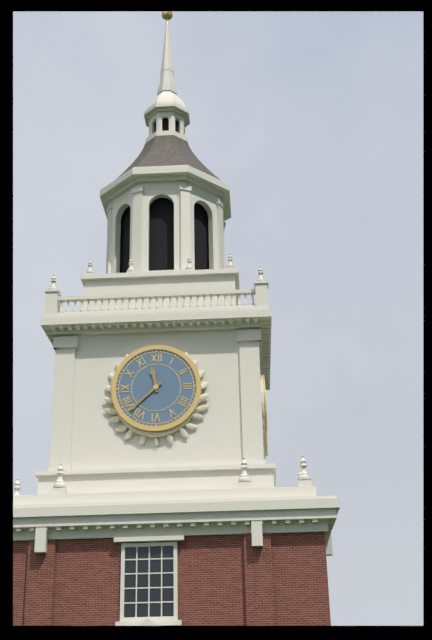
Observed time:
h=11 m=38
